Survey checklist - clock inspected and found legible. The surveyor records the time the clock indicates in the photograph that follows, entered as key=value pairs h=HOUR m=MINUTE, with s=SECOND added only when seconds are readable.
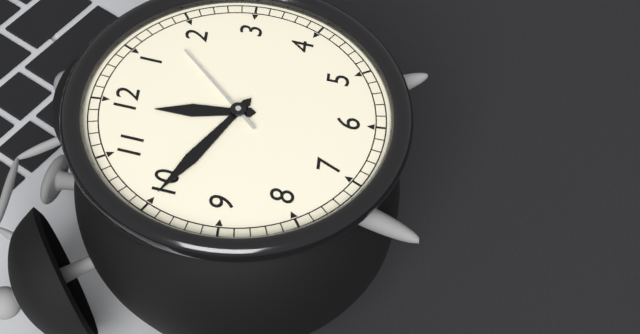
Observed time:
h=11 m=50 s=8
